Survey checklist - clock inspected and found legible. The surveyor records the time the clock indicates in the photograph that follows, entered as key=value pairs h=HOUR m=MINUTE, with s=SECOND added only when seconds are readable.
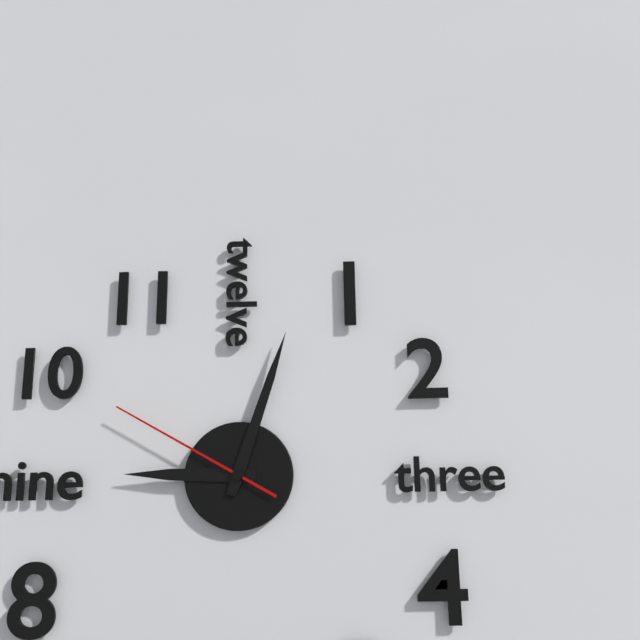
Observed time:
h=9 m=3 s=50
